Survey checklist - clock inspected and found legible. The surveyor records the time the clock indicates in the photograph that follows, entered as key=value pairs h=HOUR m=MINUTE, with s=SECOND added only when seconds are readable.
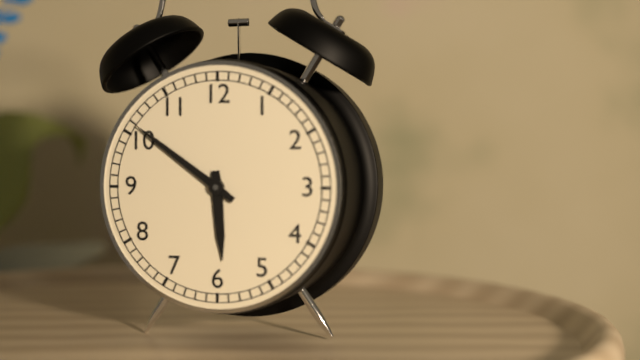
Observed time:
h=5 m=51
